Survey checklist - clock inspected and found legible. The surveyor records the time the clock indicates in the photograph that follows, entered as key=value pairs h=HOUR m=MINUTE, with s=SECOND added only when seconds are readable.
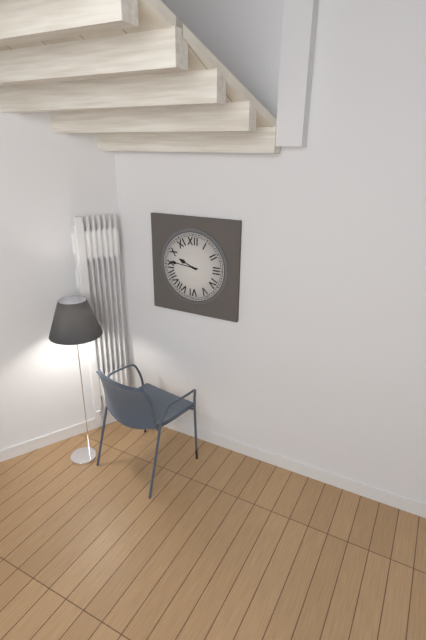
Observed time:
h=9 m=46
